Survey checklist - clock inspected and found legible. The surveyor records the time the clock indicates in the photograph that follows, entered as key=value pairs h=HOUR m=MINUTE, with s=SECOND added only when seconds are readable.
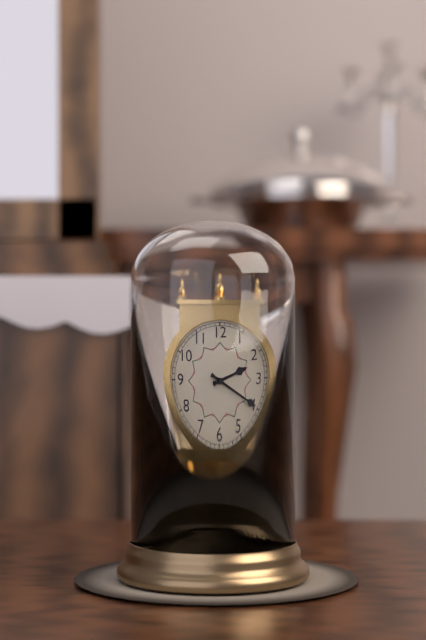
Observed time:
h=2 m=20
